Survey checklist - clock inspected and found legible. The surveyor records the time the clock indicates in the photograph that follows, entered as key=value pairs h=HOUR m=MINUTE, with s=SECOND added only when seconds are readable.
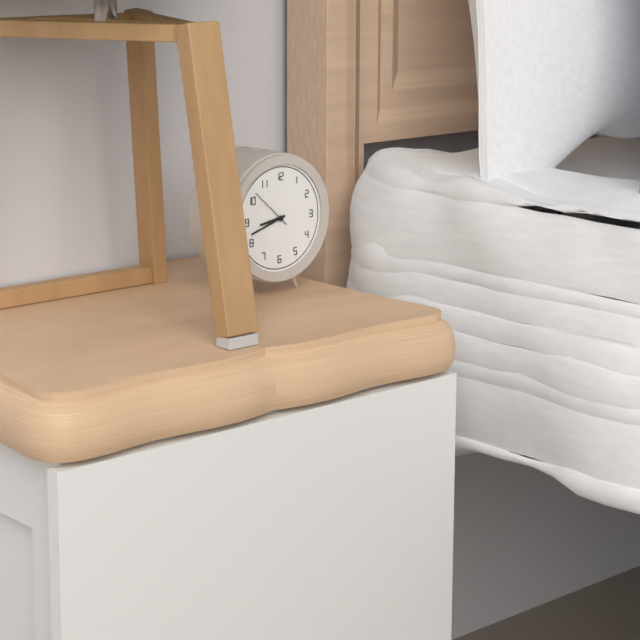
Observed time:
h=8 m=42
